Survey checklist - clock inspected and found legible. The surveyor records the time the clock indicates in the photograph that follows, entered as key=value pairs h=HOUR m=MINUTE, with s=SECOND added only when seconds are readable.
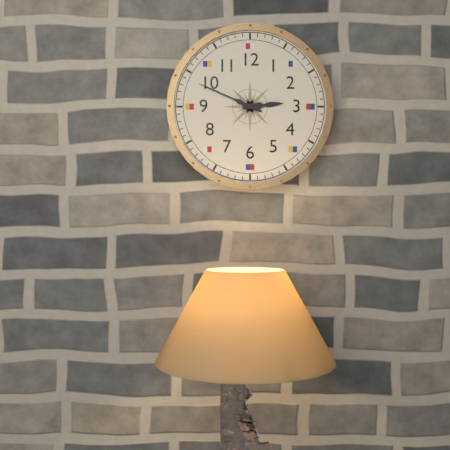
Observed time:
h=2 m=49
